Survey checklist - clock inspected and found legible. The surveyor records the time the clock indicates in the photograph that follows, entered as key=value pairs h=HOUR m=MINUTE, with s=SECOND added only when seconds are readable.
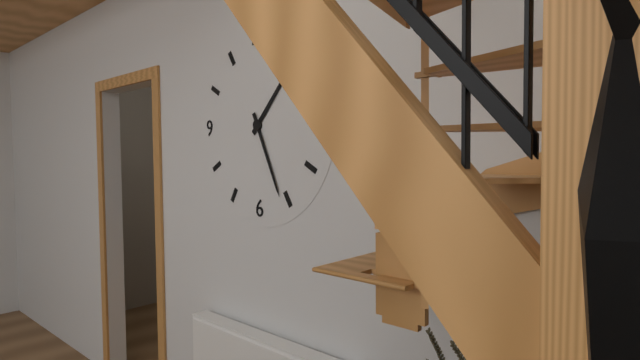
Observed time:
h=1 m=26
